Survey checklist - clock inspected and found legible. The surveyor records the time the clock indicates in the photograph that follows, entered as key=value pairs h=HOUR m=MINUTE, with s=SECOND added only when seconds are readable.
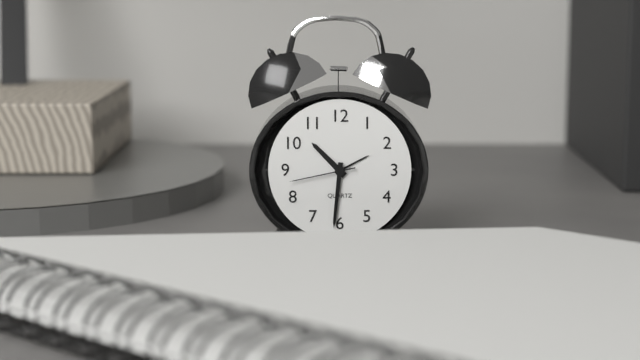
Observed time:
h=10 m=31 s=43
